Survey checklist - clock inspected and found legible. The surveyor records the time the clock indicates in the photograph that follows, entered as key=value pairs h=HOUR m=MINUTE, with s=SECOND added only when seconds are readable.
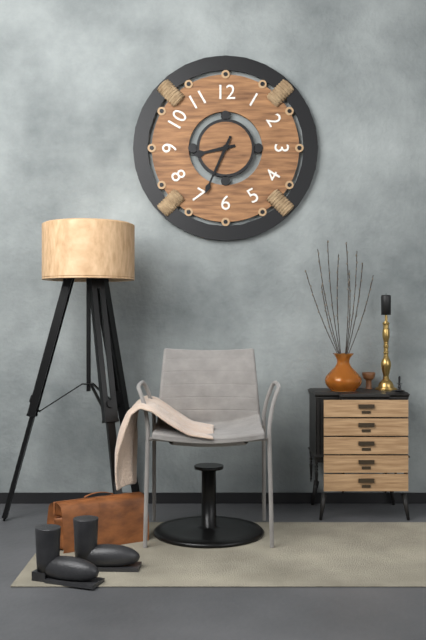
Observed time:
h=8 m=34
